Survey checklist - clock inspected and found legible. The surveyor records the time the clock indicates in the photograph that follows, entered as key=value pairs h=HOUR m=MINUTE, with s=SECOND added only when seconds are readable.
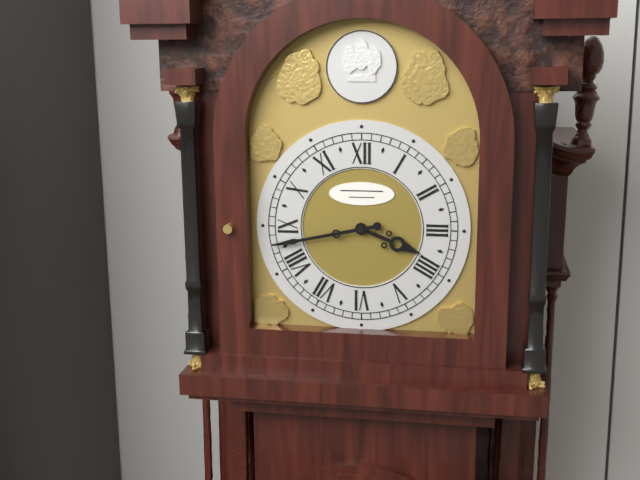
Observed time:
h=3 m=43
